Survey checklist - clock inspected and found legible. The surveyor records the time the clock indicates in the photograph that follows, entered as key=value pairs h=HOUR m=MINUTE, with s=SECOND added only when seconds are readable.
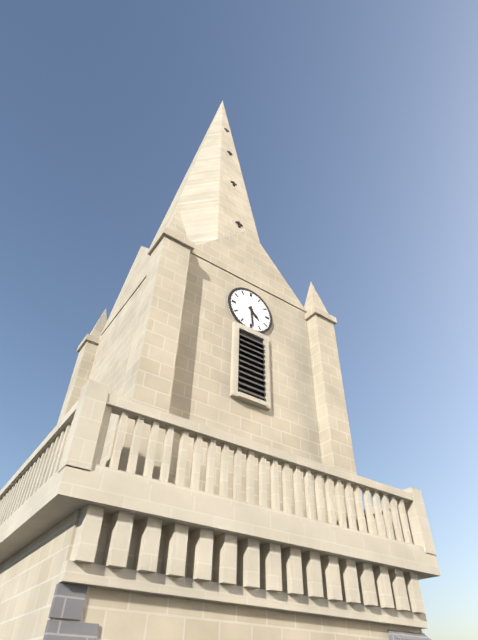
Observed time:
h=4 m=29
